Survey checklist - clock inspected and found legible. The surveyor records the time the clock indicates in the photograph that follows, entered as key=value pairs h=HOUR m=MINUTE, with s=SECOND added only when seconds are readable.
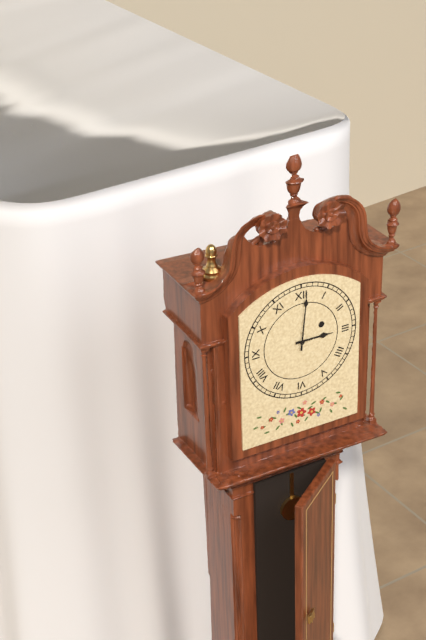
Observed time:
h=3 m=1
